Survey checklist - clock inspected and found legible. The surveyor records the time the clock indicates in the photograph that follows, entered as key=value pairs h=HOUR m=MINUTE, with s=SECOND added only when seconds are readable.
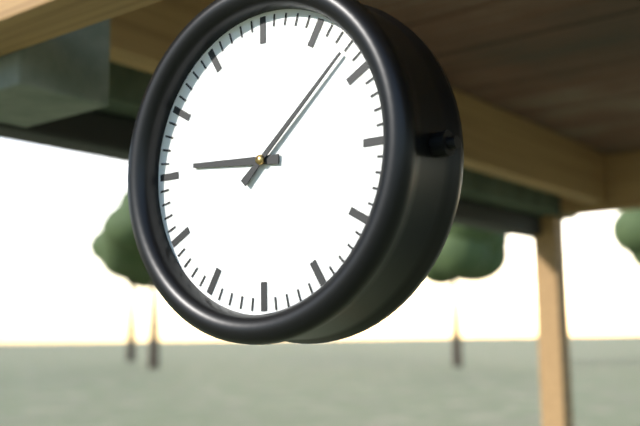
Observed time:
h=9 m=8
